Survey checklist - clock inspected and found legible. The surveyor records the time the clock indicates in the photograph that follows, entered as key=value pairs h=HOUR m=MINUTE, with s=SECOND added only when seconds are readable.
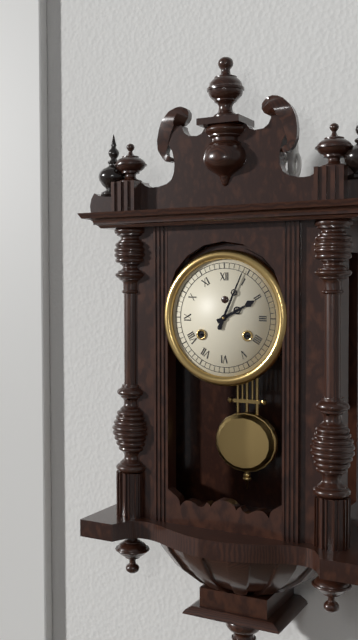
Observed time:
h=2 m=4
